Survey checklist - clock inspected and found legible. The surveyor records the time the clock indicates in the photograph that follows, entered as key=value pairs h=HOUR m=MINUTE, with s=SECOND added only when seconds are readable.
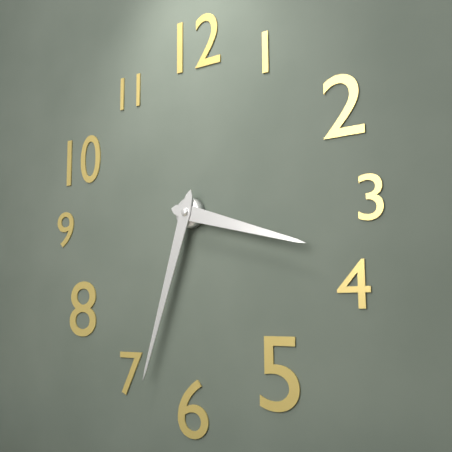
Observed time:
h=3 m=33
